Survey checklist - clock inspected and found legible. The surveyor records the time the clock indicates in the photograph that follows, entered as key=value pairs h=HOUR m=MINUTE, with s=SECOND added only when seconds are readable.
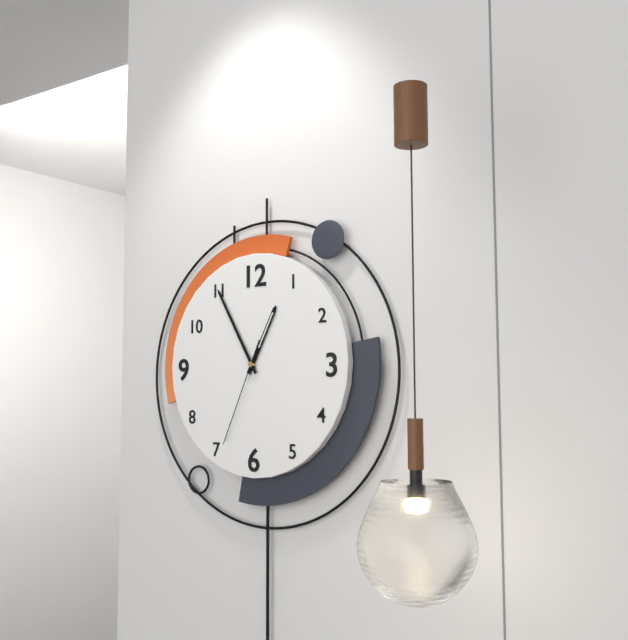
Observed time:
h=12 m=55 s=34
